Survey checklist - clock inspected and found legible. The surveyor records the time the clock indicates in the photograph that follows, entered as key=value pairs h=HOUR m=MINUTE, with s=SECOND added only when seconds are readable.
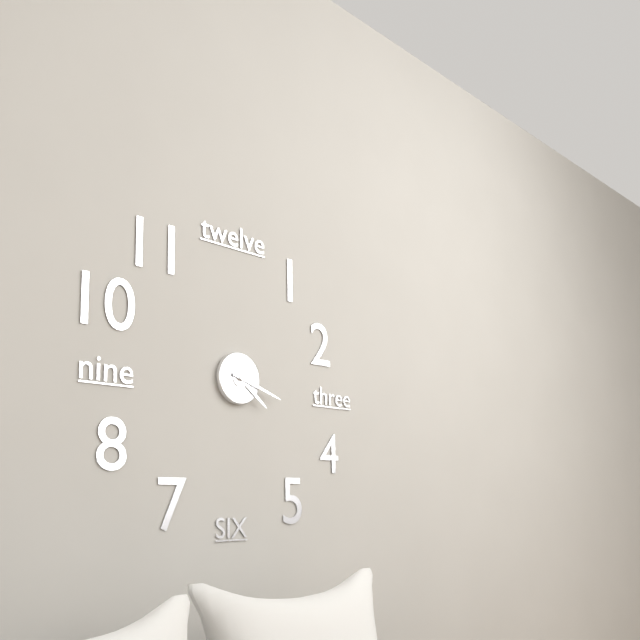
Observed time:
h=4 m=18
